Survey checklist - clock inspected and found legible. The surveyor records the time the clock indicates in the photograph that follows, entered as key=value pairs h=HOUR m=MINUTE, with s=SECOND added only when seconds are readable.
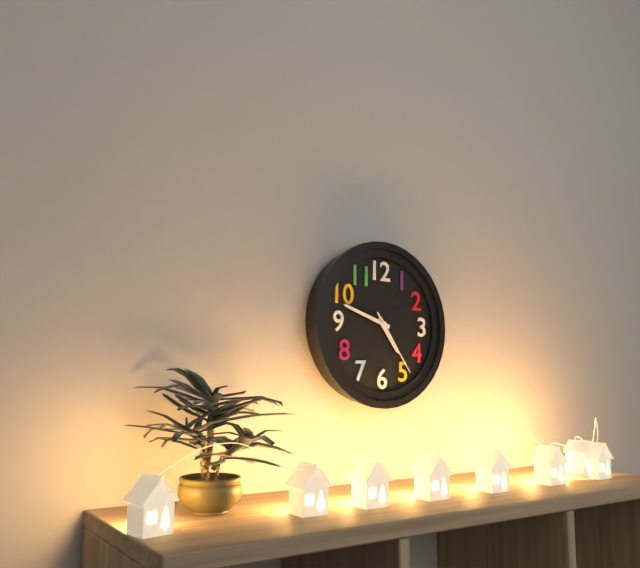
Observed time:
h=4 m=48 s=24
